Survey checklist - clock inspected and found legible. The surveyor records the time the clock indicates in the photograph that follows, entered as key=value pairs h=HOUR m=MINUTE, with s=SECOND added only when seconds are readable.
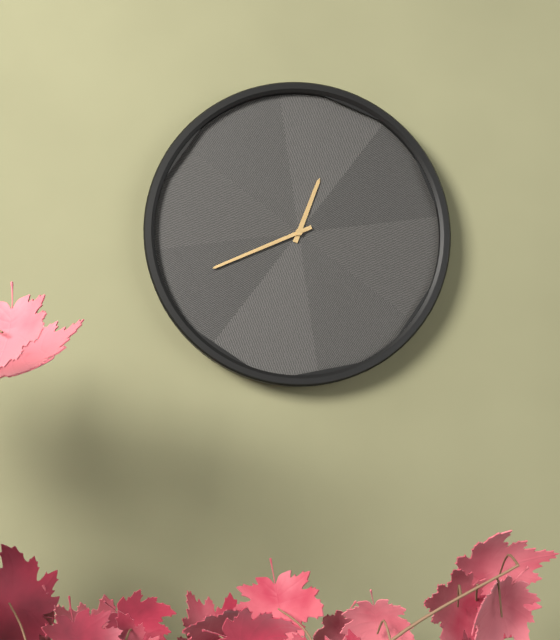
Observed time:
h=12 m=41
